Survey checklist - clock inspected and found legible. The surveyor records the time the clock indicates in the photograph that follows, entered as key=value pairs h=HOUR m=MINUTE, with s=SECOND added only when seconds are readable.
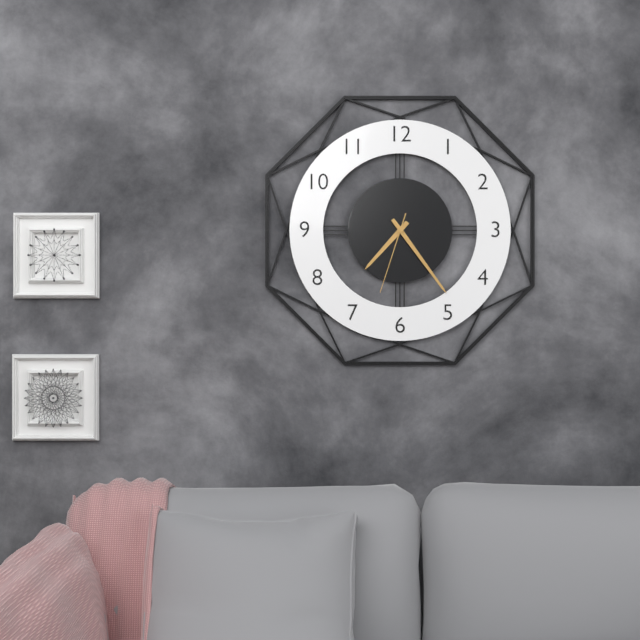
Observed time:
h=7 m=24 s=33
